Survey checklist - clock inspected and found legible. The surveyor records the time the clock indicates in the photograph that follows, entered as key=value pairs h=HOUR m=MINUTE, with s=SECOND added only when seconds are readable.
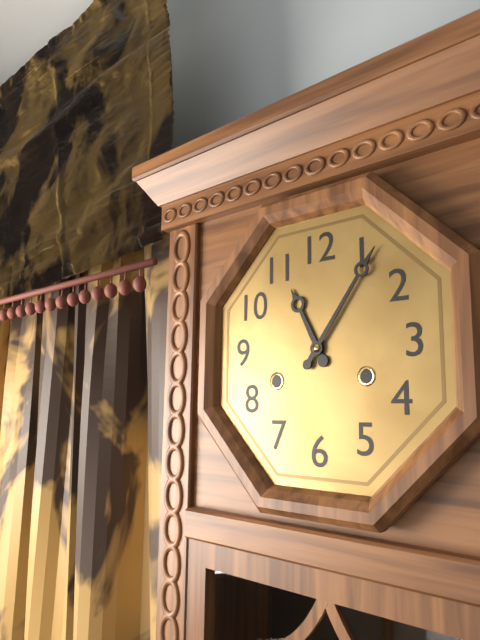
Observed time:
h=11 m=6
